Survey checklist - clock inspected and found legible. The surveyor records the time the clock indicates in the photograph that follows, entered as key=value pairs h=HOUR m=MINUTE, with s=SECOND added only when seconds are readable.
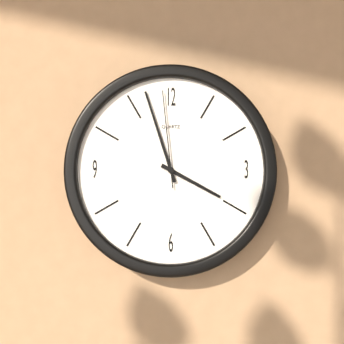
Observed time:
h=3 m=57 s=59
